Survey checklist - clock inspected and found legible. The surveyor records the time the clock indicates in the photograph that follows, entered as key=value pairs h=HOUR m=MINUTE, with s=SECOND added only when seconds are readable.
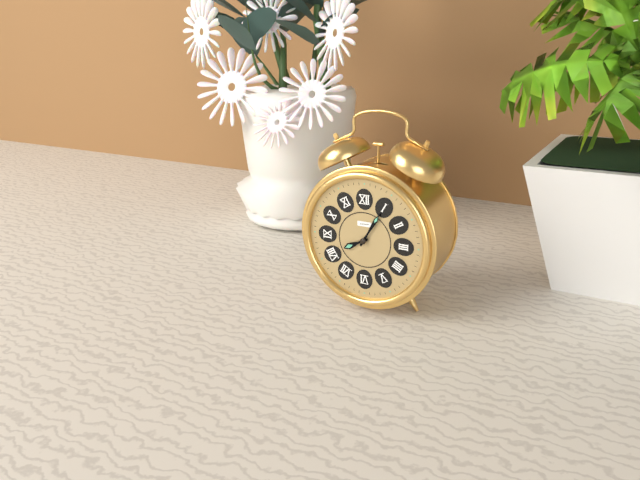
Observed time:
h=8 m=5
